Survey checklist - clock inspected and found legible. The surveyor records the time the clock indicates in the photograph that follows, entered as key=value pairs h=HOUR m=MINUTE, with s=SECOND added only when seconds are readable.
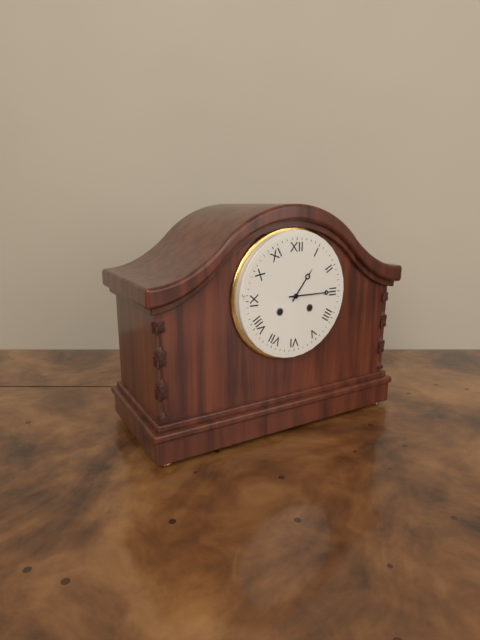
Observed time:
h=1 m=15
